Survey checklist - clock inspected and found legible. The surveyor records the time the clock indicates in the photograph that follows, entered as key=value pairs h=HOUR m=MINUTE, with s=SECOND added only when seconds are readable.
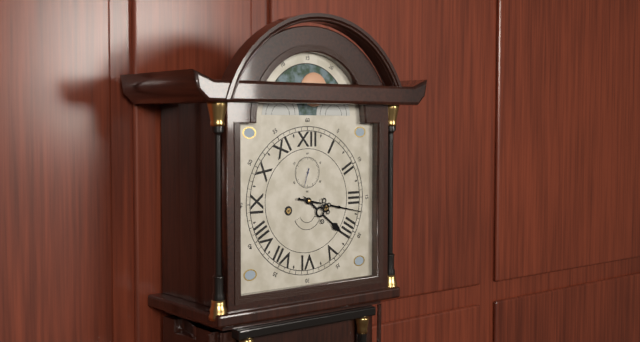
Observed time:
h=4 m=17
